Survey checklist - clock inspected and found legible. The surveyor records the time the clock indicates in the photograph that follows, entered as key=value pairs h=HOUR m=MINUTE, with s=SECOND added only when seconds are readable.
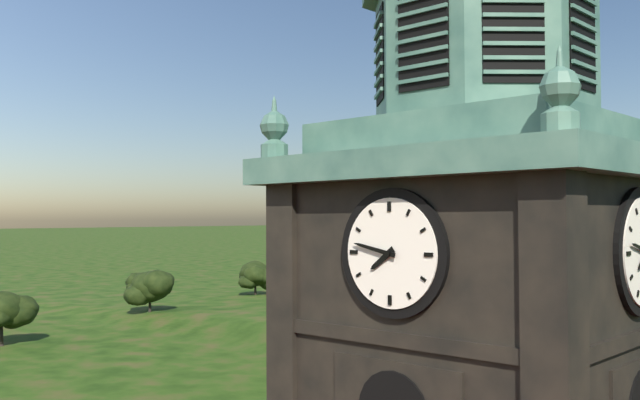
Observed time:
h=7 m=47
